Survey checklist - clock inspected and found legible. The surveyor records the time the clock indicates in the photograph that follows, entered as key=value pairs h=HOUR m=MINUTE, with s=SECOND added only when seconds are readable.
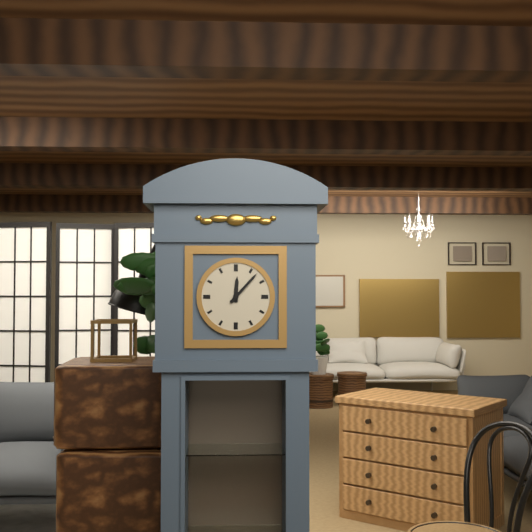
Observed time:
h=12 m=7
